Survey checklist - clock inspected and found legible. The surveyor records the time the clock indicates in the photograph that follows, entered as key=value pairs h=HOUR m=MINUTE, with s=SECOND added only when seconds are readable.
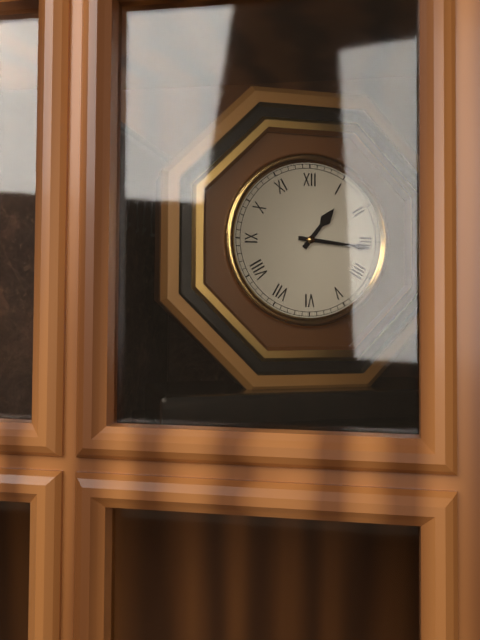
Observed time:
h=1 m=16
